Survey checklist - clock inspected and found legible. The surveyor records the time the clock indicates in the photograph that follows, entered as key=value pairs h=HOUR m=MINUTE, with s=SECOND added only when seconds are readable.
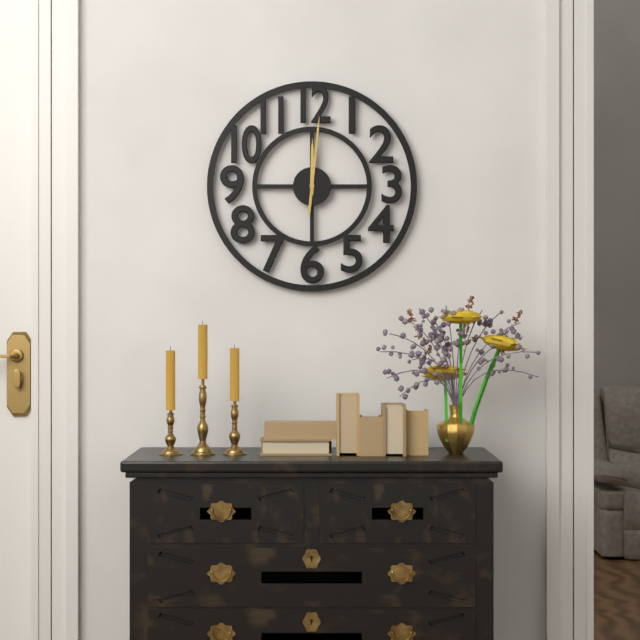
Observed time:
h=12 m=1
